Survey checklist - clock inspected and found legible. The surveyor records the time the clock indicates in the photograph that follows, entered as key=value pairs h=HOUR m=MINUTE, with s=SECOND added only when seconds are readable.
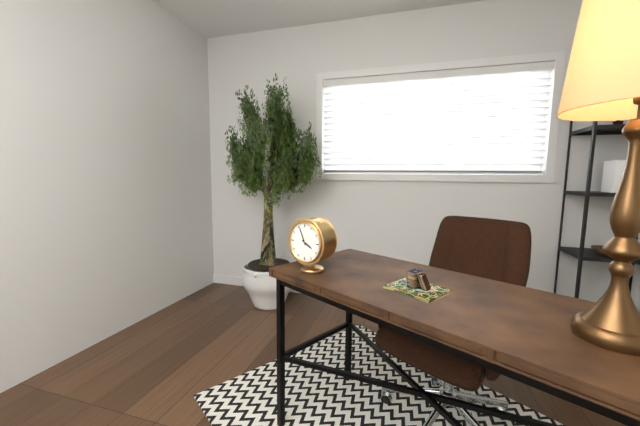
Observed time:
h=3 m=56
